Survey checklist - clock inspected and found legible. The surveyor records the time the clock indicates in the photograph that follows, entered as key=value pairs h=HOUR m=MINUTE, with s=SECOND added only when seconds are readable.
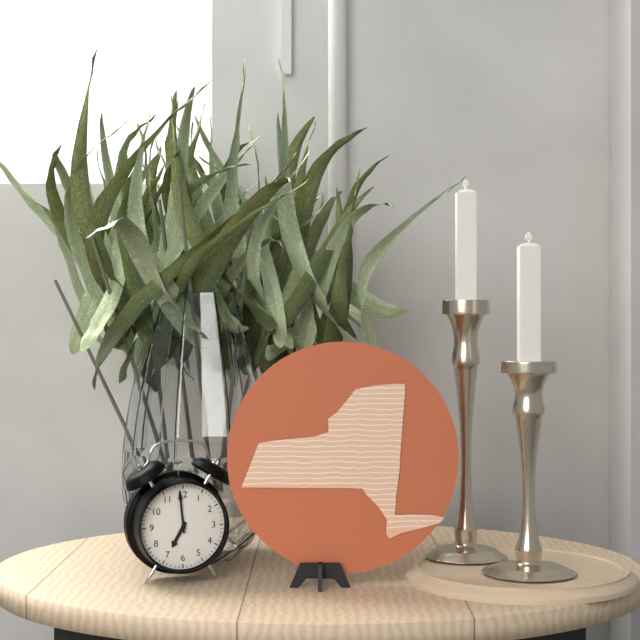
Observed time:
h=6 m=59
